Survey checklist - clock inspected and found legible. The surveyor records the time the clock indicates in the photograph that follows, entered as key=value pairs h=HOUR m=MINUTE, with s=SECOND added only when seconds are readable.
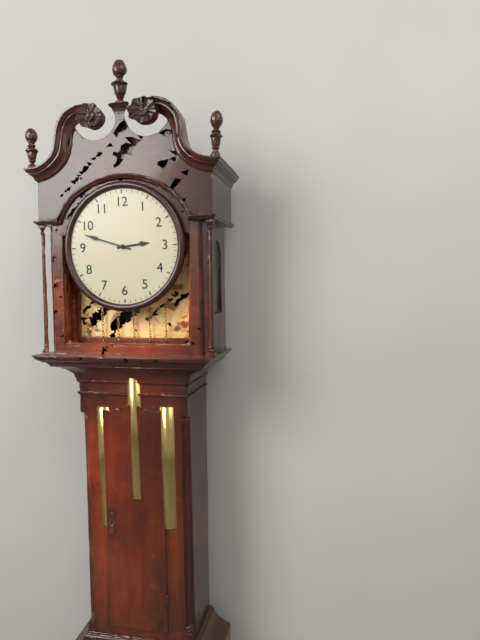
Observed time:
h=2 m=48
